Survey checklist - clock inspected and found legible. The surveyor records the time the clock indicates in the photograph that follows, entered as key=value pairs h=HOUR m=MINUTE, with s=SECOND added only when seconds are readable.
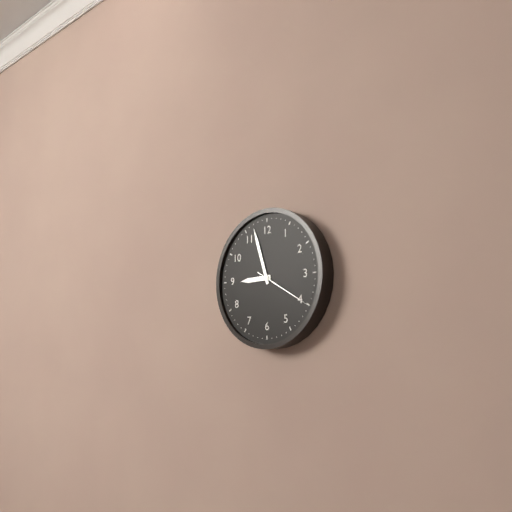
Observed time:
h=8 m=57 s=20
